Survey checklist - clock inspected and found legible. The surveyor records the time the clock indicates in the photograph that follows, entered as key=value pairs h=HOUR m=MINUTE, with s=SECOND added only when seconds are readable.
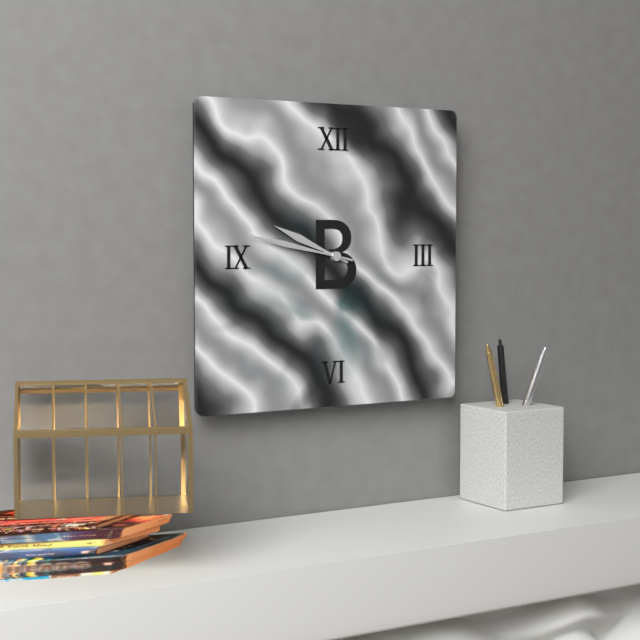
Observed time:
h=9 m=47
